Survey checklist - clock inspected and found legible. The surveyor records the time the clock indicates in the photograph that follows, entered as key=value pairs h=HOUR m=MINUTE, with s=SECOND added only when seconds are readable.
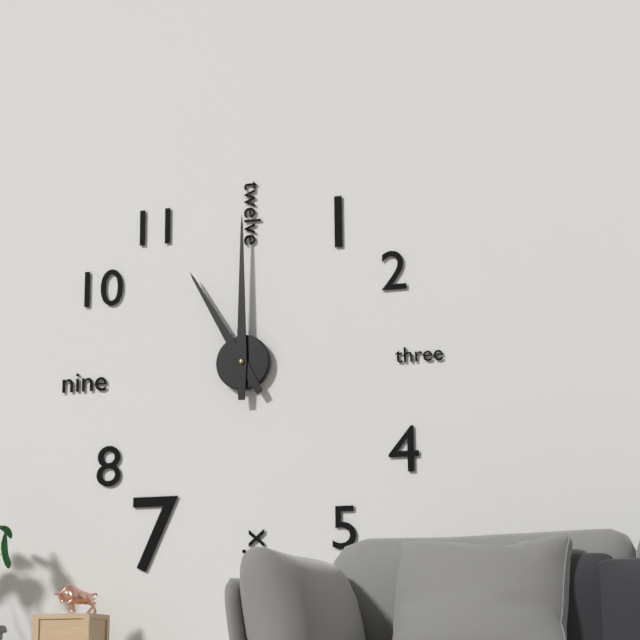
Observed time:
h=11 m=0
